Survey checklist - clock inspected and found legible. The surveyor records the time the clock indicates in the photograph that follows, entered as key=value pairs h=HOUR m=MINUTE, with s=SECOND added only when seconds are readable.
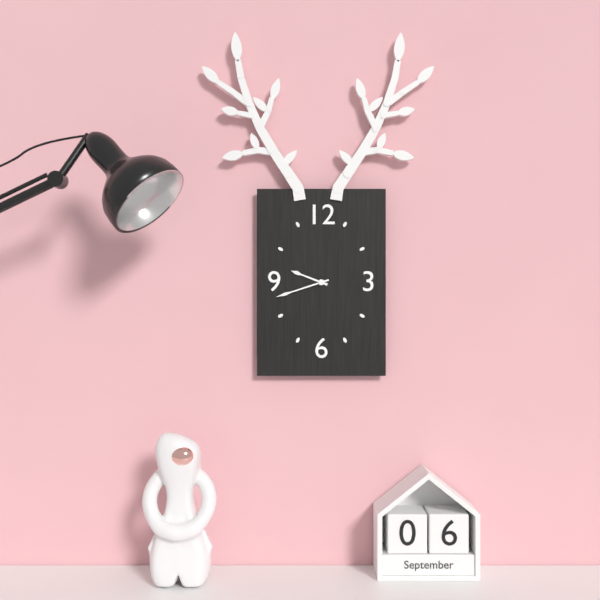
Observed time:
h=9 m=42
